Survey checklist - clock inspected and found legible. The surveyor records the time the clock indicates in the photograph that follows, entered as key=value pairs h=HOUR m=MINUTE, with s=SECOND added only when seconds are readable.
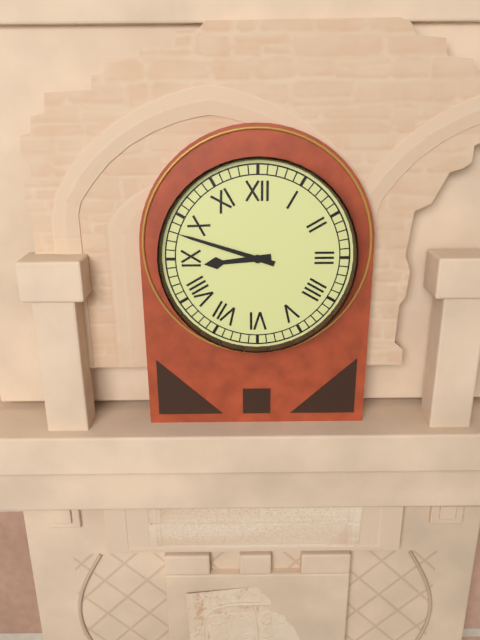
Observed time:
h=8 m=48
